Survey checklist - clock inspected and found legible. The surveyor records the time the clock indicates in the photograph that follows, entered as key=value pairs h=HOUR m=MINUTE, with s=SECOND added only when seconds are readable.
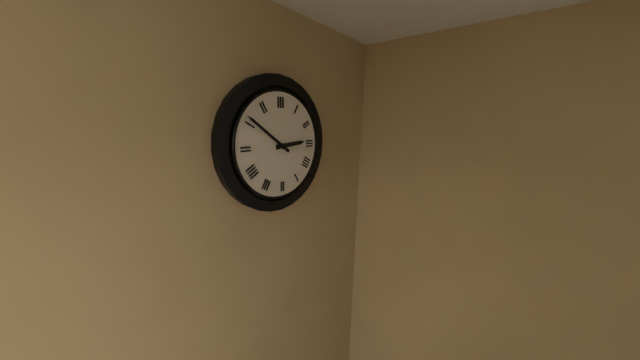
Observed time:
h=2 m=51
